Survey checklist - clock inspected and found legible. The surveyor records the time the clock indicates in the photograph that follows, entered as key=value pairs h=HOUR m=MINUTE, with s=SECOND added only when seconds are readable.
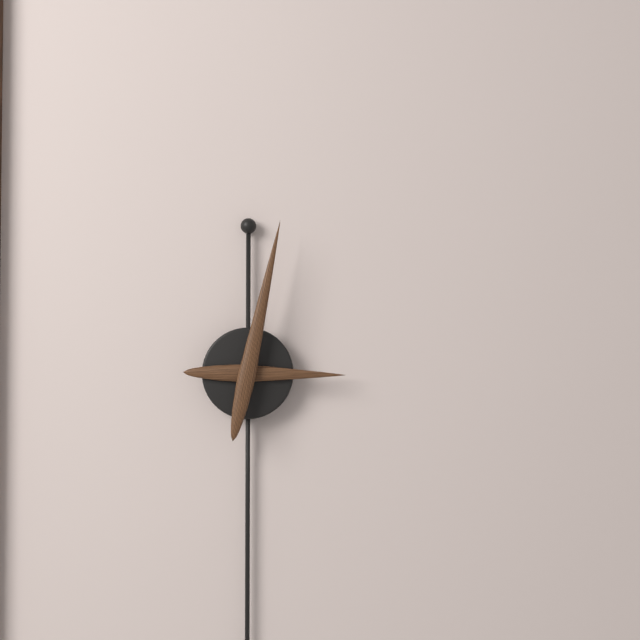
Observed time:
h=3 m=2
